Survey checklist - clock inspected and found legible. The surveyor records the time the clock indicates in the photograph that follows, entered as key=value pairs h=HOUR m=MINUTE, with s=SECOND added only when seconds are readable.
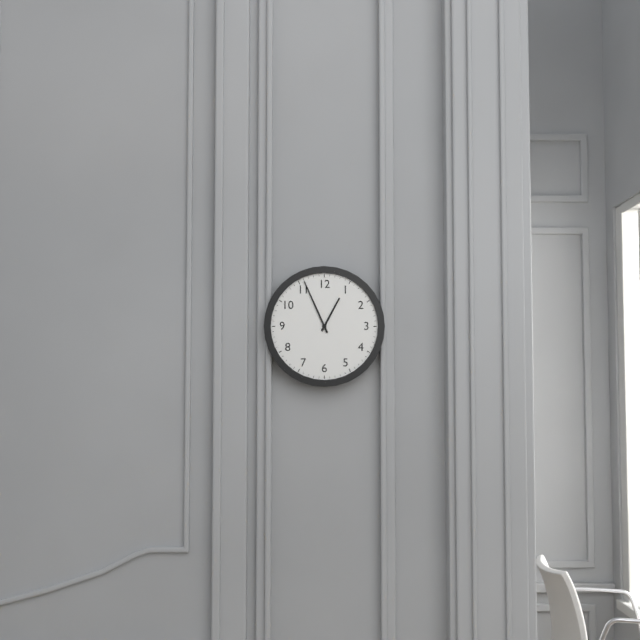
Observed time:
h=12 m=56
